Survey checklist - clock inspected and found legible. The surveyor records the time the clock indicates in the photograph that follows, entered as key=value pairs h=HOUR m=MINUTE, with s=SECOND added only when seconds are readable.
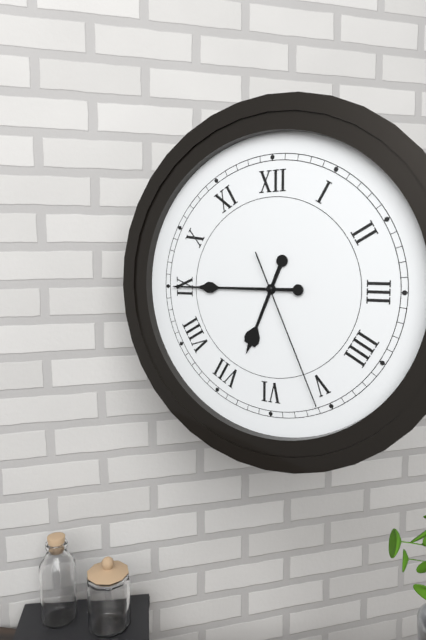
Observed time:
h=6 m=45 s=26
